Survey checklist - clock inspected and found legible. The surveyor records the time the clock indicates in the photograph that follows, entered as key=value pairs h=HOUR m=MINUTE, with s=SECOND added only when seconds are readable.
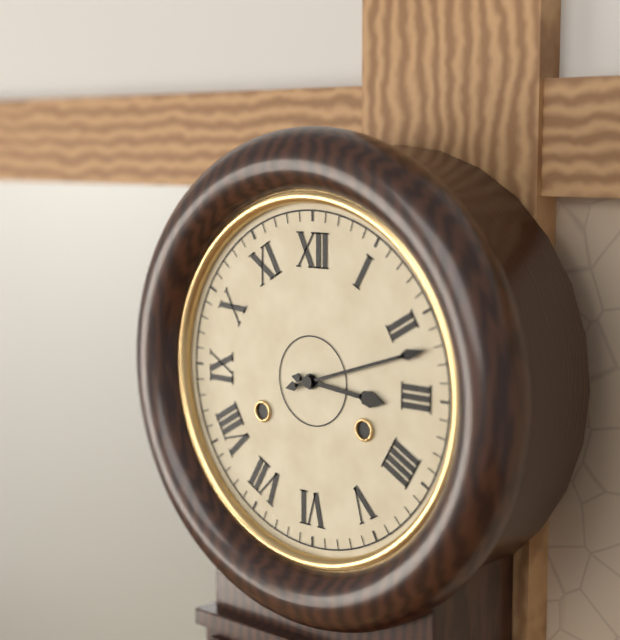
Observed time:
h=3 m=12
